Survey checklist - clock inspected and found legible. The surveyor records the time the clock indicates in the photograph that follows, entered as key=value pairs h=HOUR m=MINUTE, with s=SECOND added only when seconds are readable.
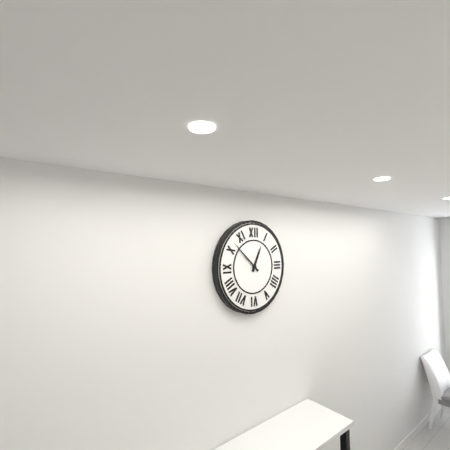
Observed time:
h=12 m=52
